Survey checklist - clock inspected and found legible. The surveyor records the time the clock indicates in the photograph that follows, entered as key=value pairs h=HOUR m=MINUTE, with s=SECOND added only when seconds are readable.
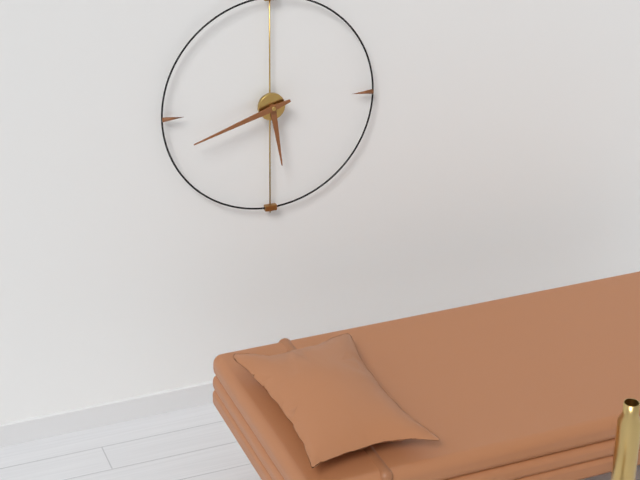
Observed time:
h=5 m=42
